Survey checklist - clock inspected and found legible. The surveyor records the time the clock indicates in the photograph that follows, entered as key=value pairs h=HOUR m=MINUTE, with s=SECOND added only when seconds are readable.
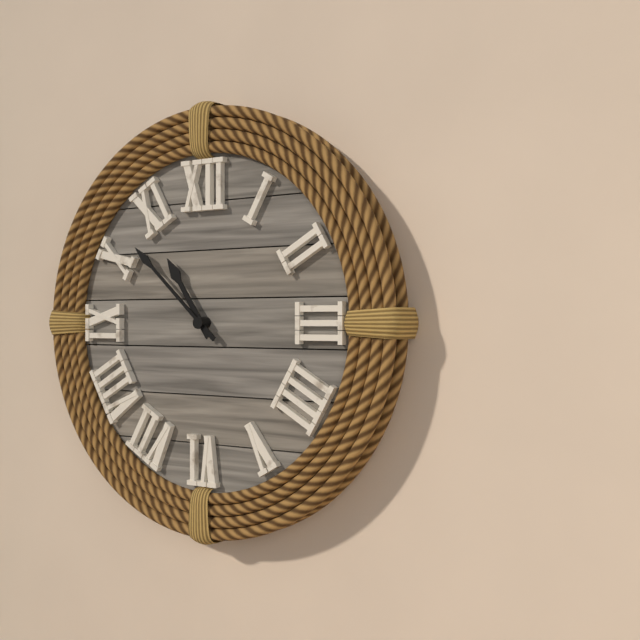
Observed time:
h=10 m=52
